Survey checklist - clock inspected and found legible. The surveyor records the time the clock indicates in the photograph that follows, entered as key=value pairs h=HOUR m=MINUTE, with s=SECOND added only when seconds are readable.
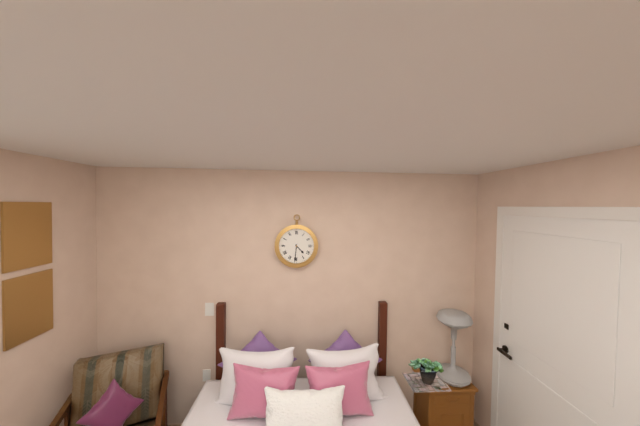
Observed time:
h=4 m=31
